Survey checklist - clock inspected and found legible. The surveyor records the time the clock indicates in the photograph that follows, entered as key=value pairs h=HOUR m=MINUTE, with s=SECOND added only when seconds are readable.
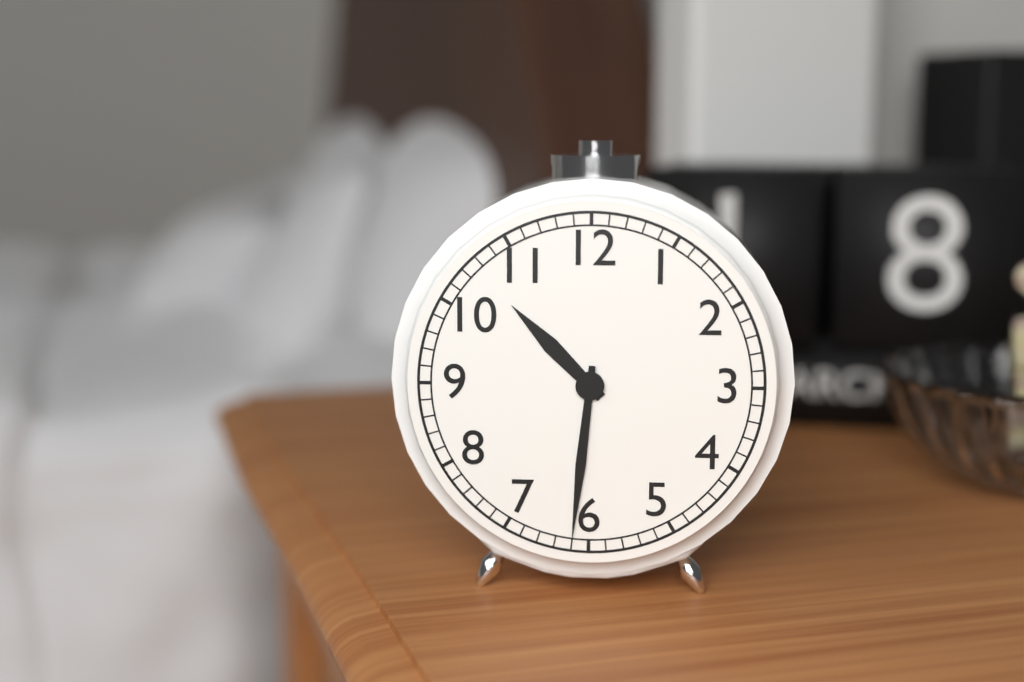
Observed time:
h=10 m=31
